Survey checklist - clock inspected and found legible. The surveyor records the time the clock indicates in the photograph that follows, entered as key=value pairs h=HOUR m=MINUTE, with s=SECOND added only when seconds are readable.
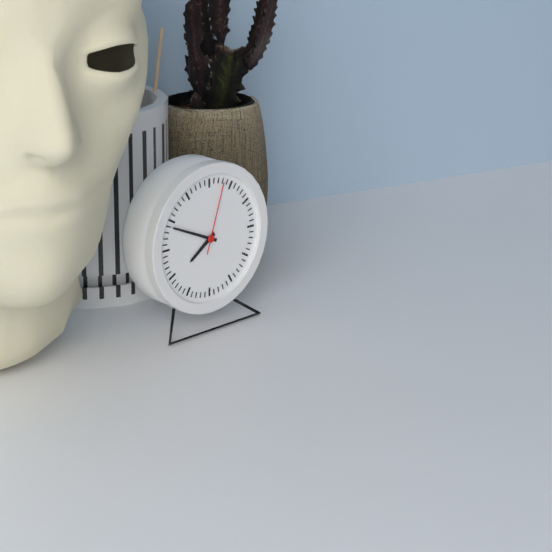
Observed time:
h=7 m=49 s=3
